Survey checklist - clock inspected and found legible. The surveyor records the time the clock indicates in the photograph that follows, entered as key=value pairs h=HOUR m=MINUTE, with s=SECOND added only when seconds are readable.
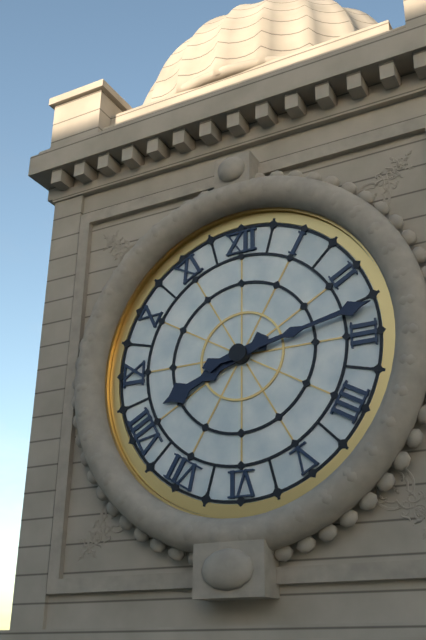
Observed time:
h=8 m=13
